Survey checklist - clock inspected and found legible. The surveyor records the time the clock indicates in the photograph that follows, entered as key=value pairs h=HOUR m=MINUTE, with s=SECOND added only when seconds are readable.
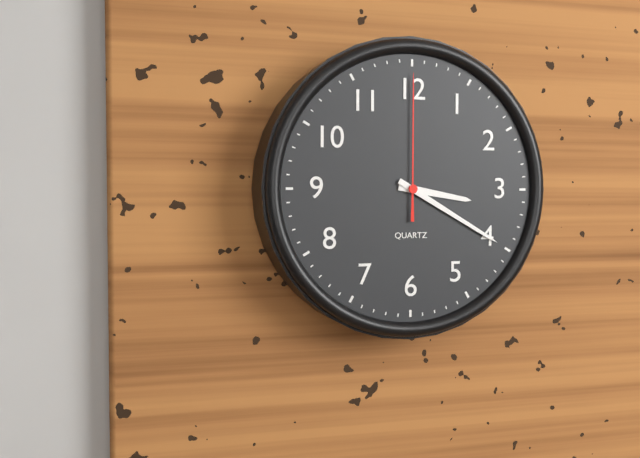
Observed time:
h=3 m=20 s=0
